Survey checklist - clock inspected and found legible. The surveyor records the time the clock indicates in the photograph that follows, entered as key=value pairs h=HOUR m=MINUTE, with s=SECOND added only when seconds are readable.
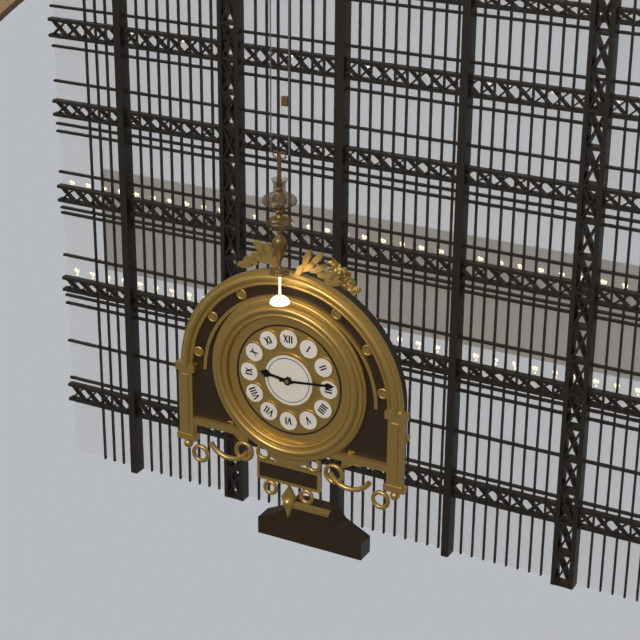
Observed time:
h=9 m=14
